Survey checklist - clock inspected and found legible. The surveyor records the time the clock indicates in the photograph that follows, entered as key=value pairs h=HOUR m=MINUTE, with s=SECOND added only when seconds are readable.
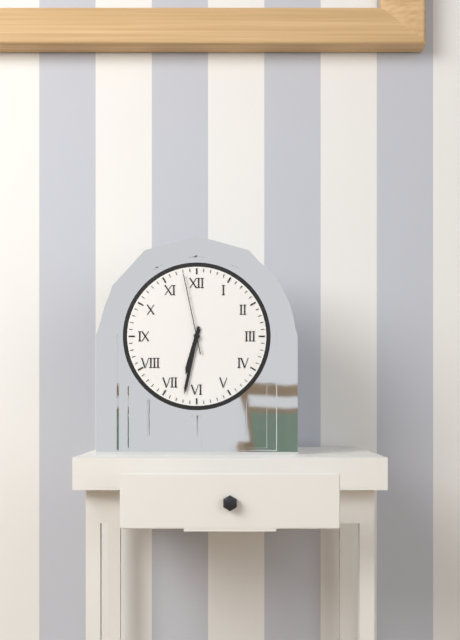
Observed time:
h=6 m=32 s=58
